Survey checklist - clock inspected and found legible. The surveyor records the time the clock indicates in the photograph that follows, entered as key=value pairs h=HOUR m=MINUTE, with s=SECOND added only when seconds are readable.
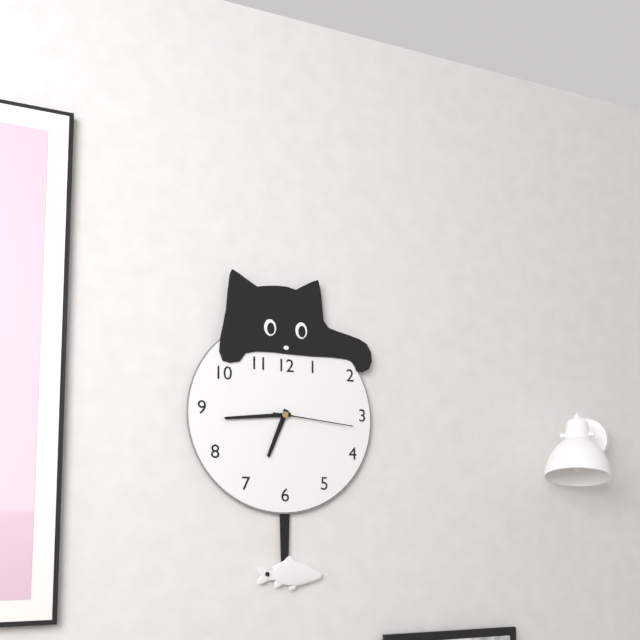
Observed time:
h=6 m=44 s=16
